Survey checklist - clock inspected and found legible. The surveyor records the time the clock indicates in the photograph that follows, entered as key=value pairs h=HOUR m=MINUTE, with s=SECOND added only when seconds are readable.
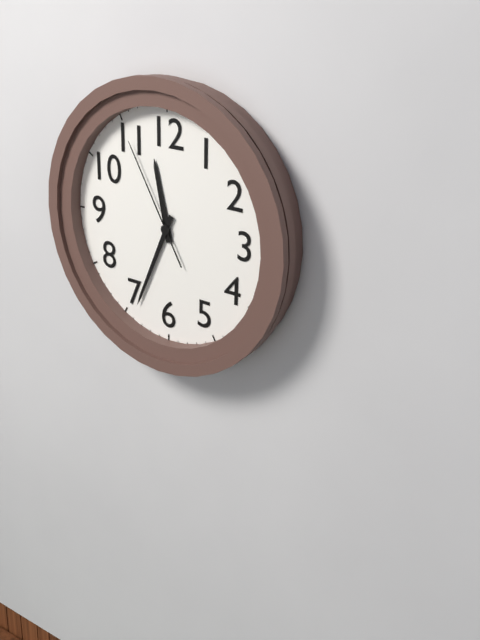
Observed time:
h=11 m=34 s=55
